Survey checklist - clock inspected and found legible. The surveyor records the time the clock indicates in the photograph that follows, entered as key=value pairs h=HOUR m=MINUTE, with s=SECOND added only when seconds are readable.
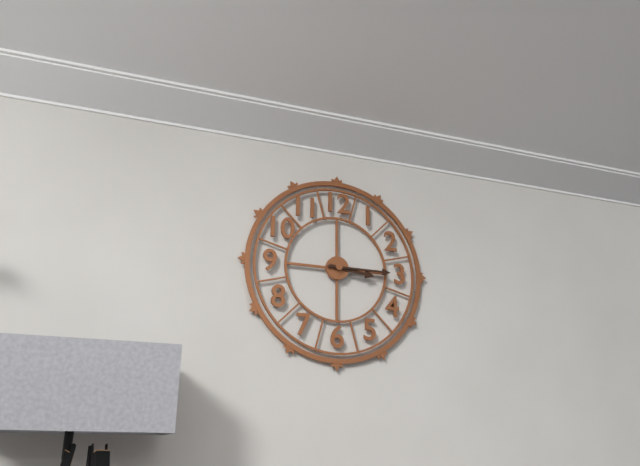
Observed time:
h=3 m=15
